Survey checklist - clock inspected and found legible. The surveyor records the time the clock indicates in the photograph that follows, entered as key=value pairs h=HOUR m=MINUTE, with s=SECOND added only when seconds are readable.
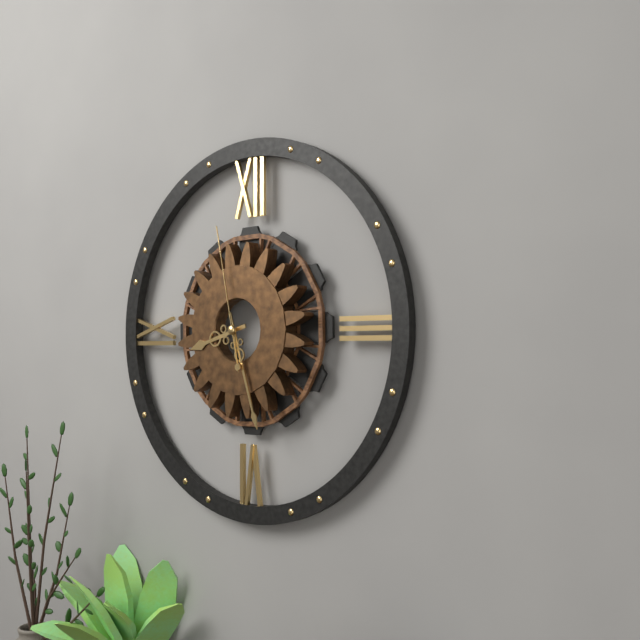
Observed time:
h=8 m=27 s=58
